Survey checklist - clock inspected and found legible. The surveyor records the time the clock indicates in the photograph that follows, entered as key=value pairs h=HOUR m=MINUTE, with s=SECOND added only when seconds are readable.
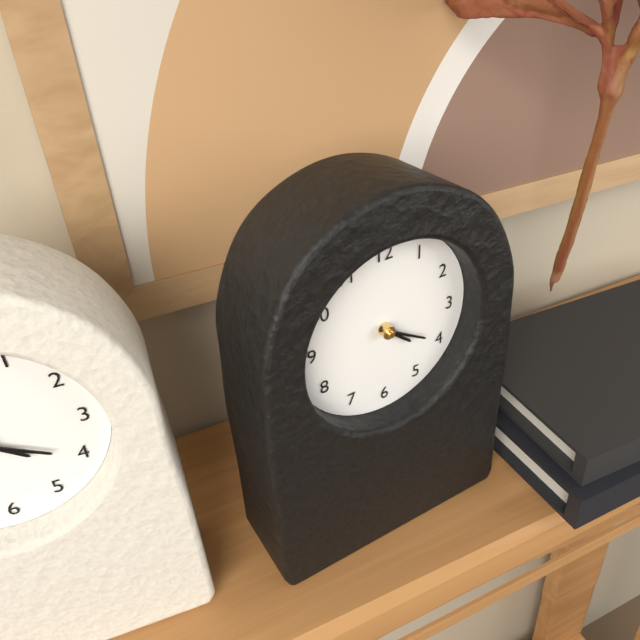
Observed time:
h=4 m=20
